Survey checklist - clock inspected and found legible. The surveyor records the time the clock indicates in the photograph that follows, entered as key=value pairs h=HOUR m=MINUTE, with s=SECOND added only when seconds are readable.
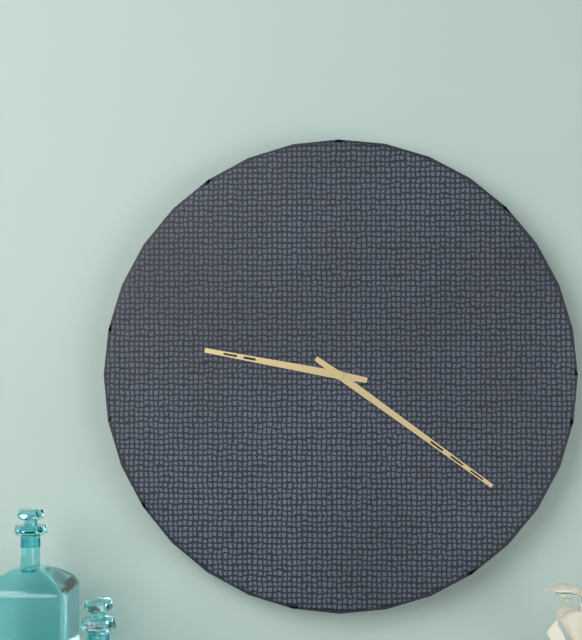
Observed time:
h=9 m=21
